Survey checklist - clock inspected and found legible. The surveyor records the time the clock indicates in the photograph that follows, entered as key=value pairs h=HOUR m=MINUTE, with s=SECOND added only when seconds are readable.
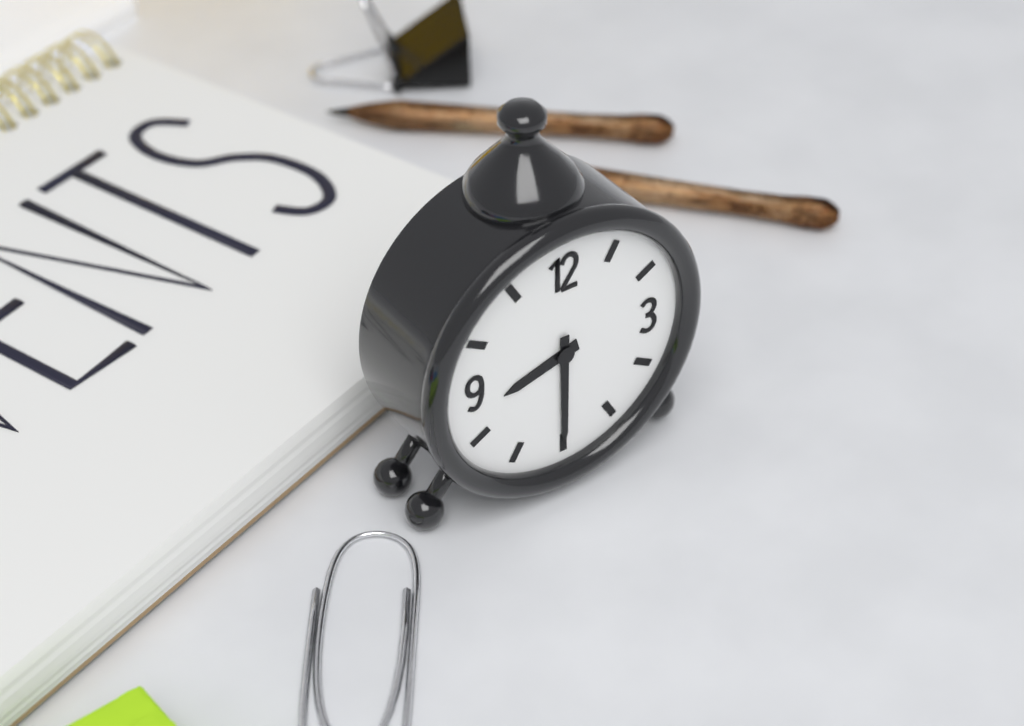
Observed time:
h=8 m=30
